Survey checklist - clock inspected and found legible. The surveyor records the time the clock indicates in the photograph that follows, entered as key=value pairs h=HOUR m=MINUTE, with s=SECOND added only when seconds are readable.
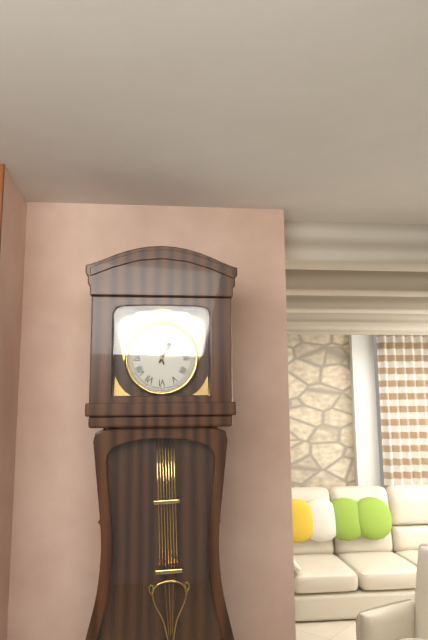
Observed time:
h=12 m=57
